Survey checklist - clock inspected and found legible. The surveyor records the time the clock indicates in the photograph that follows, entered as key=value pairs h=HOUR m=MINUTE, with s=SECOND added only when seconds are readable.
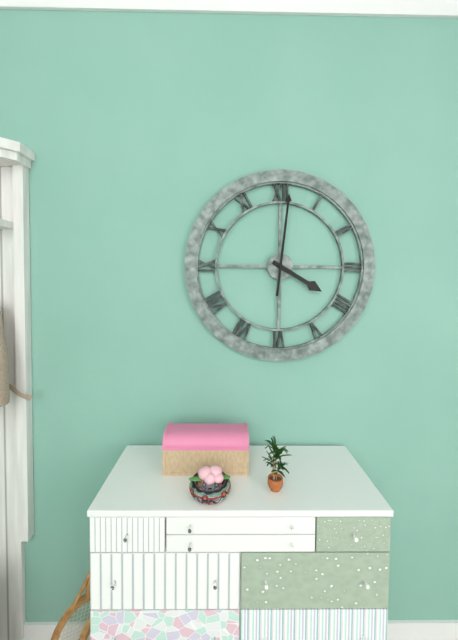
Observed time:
h=4 m=1
